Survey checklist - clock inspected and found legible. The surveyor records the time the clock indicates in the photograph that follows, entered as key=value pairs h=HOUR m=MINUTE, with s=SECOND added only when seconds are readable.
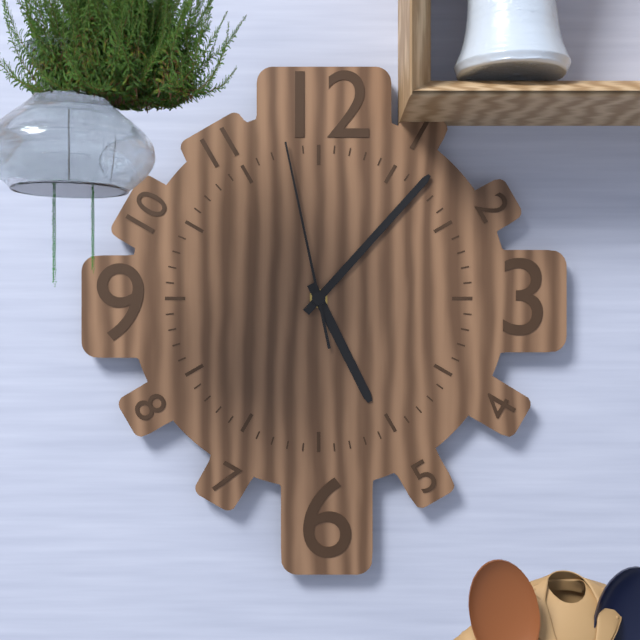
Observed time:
h=5 m=7 s=58
